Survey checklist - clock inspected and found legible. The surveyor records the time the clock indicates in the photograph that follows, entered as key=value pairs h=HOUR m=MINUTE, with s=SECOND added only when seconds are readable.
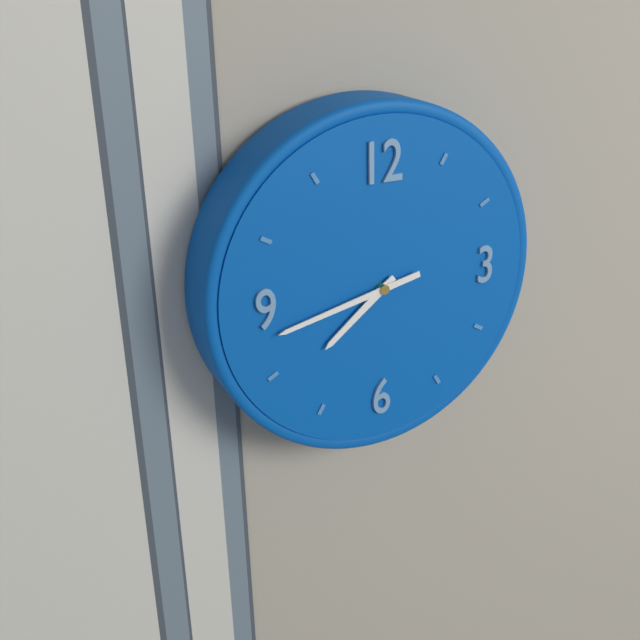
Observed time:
h=7 m=43
